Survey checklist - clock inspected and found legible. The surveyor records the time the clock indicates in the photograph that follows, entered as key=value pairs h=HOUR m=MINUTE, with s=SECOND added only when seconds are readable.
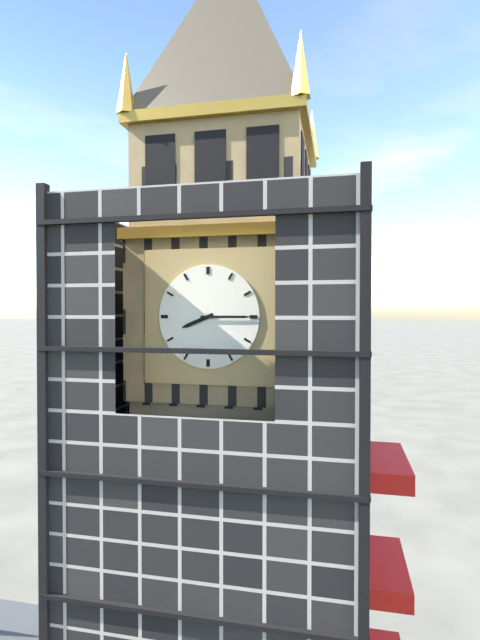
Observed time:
h=8 m=15
